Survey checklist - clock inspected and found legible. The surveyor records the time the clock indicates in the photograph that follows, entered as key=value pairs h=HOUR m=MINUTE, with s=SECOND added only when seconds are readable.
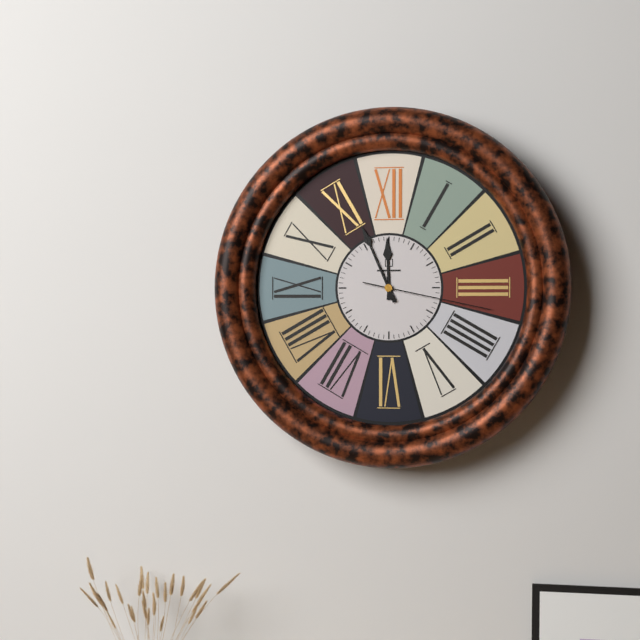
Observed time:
h=11 m=56 s=17
